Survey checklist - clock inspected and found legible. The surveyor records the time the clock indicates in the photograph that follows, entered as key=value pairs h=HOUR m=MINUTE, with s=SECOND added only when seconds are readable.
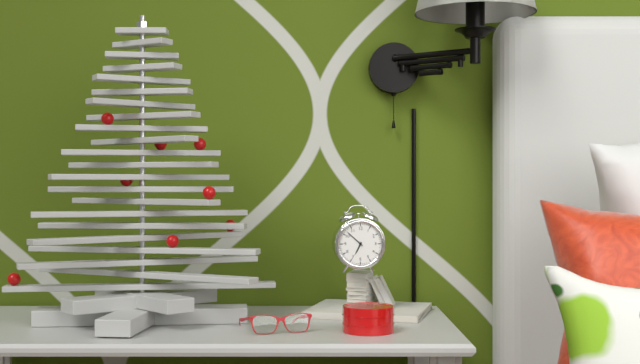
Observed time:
h=6 m=52
